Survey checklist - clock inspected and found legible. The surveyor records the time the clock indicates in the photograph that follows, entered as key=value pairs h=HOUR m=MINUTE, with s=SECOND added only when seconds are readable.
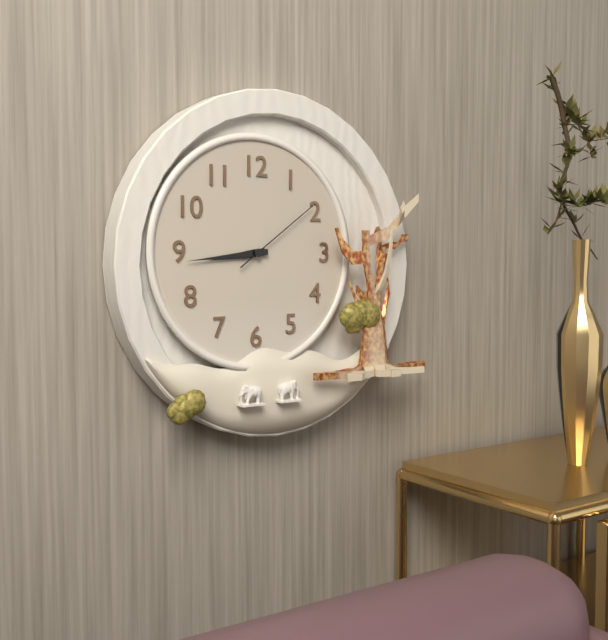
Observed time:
h=8 m=44 s=9
